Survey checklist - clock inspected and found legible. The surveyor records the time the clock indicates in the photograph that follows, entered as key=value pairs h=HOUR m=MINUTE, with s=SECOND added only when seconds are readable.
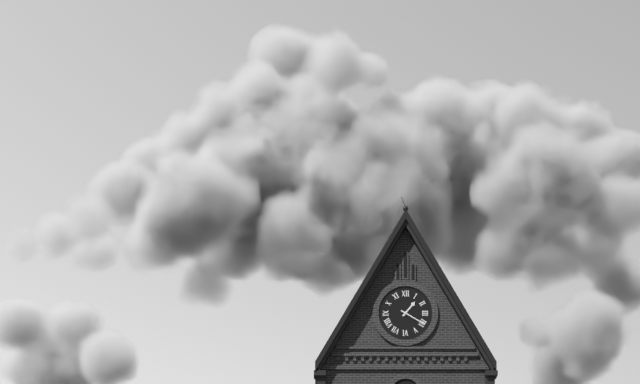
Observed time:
h=1 m=20
